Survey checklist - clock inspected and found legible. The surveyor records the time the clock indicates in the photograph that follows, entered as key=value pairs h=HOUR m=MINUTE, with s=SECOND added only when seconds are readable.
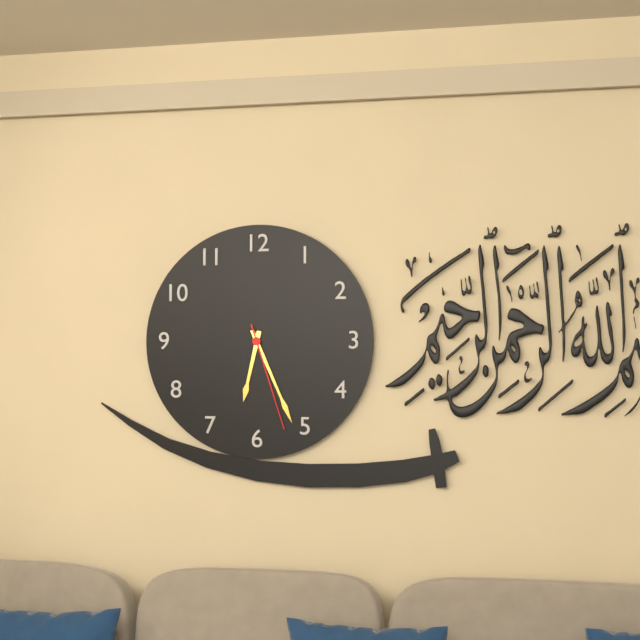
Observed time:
h=6 m=26 s=27
